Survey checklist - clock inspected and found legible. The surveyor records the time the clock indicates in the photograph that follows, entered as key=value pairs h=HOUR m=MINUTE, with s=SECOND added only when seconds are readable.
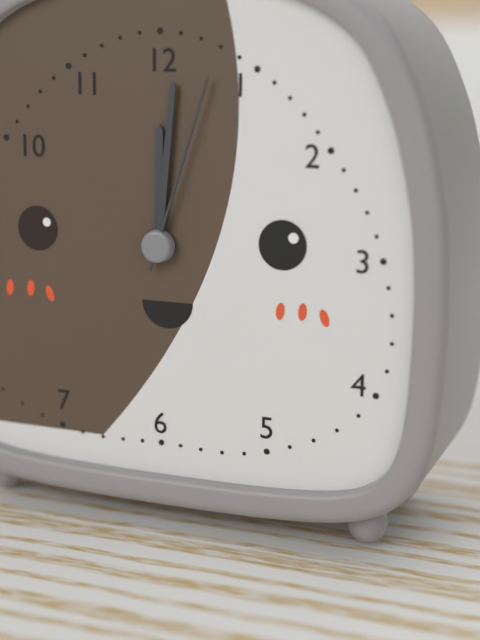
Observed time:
h=12 m=1 s=3
